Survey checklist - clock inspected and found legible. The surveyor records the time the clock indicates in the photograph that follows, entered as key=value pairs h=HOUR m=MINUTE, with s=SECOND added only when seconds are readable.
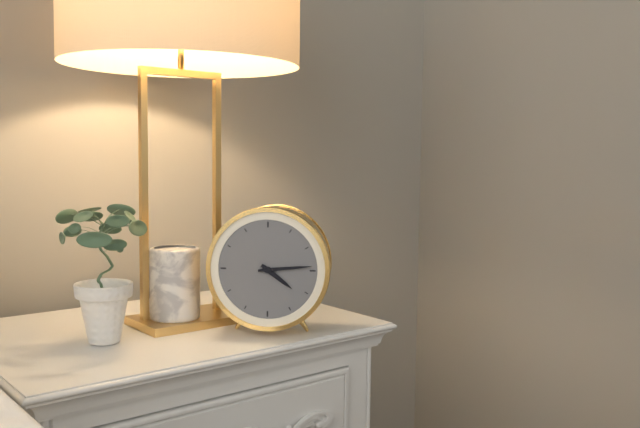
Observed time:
h=4 m=14
